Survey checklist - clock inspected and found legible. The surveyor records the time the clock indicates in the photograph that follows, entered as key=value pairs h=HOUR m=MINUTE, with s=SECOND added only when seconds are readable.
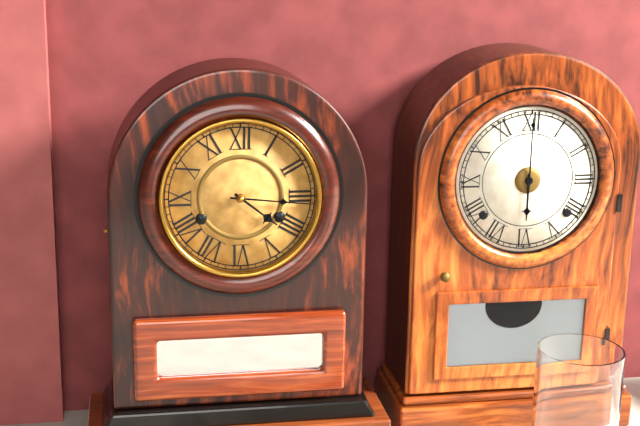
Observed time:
h=4 m=16
